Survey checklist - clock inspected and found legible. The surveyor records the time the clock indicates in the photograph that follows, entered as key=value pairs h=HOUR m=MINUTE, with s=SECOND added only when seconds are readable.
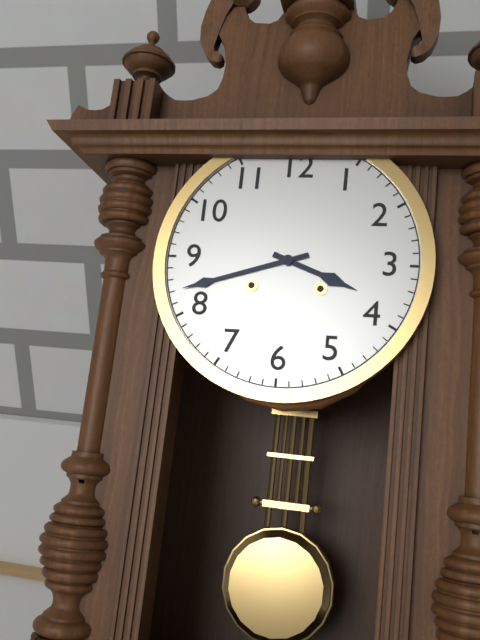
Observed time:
h=3 m=42
